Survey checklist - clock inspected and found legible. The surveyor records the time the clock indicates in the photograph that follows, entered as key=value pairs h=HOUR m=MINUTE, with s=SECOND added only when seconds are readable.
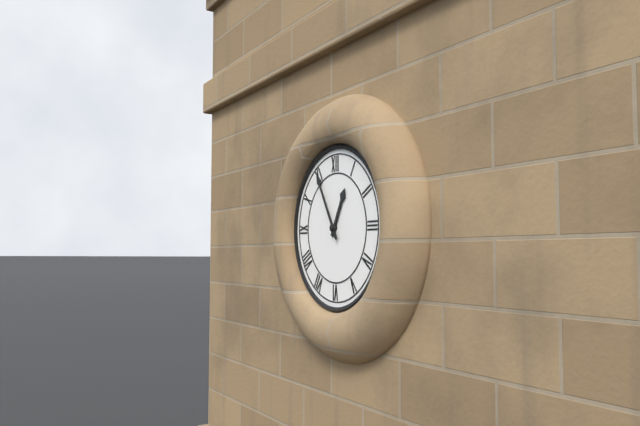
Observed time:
h=12 m=55
